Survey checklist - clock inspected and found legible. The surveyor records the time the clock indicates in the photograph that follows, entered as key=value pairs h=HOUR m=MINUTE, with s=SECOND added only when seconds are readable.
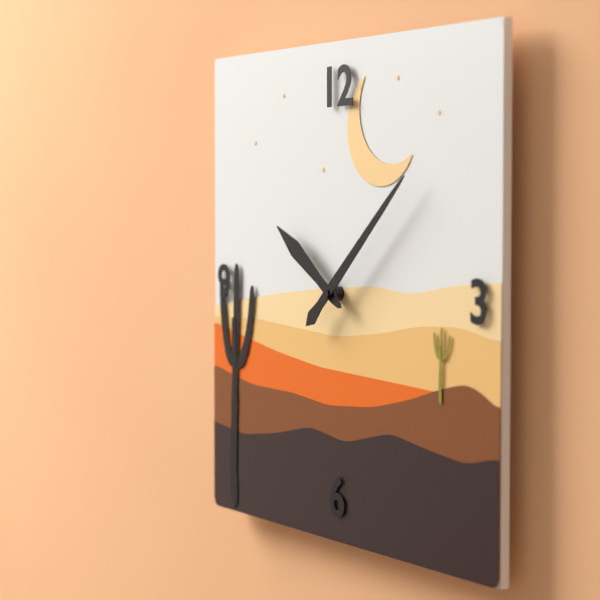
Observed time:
h=10 m=8
